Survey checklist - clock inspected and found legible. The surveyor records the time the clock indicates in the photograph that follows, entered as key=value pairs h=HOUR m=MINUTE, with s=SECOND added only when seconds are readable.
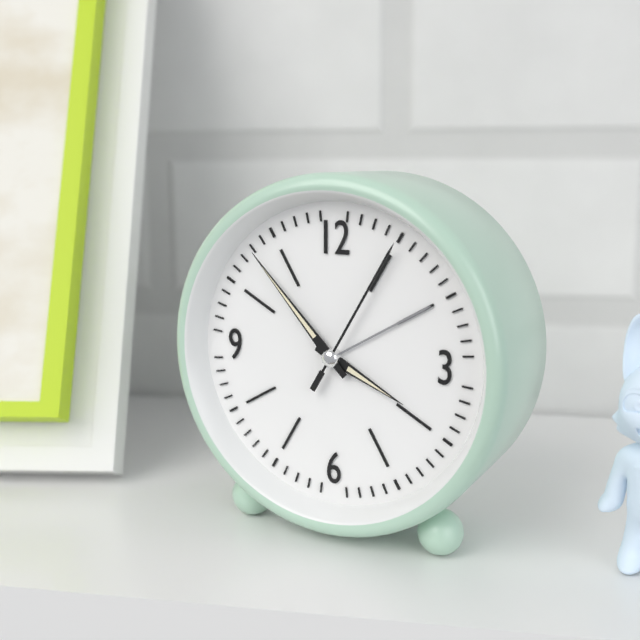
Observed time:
h=3 m=53 s=5
